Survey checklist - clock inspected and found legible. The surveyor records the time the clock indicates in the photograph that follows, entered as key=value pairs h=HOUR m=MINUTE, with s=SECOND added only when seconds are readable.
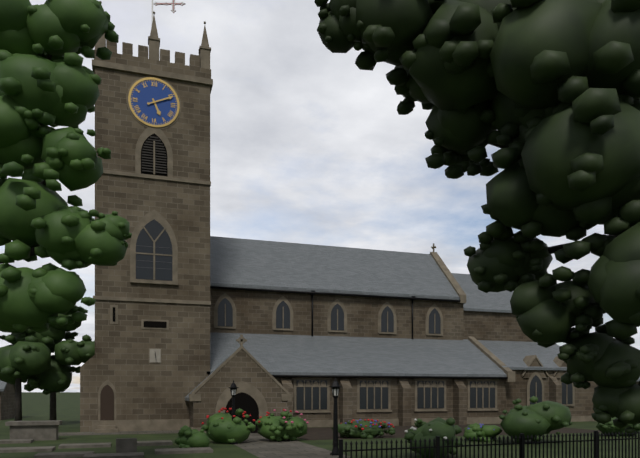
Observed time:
h=5 m=11
